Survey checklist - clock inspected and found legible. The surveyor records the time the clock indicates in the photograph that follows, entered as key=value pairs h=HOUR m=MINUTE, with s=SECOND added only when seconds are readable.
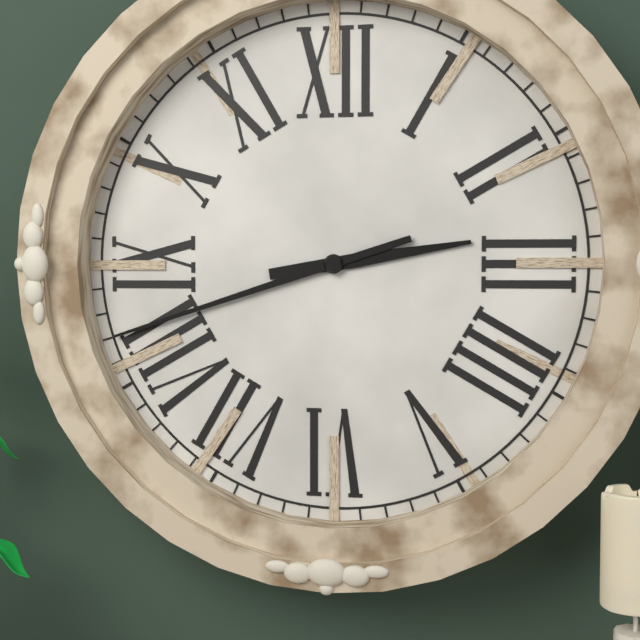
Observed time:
h=2 m=42
